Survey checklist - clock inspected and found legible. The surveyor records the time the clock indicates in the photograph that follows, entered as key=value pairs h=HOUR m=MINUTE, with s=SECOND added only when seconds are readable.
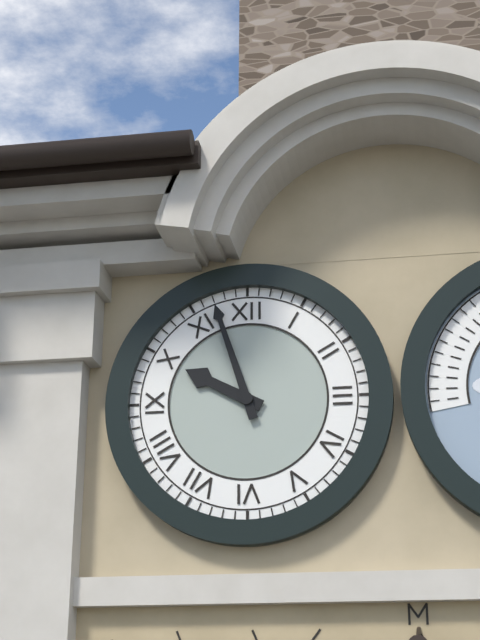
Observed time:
h=9 m=57
